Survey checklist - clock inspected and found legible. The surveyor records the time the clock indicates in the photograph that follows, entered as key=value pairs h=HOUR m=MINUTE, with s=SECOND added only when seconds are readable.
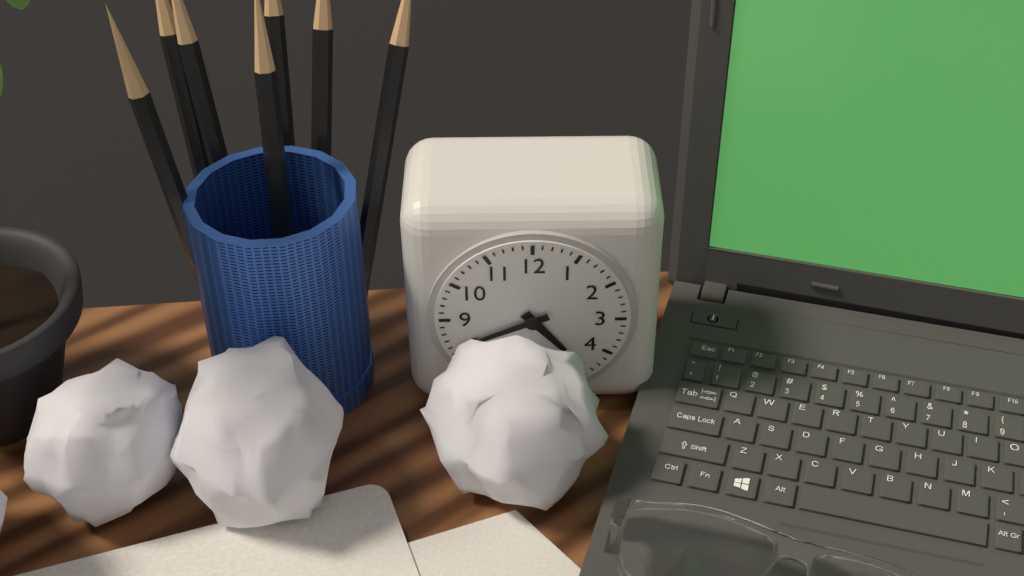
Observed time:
h=4 m=41
